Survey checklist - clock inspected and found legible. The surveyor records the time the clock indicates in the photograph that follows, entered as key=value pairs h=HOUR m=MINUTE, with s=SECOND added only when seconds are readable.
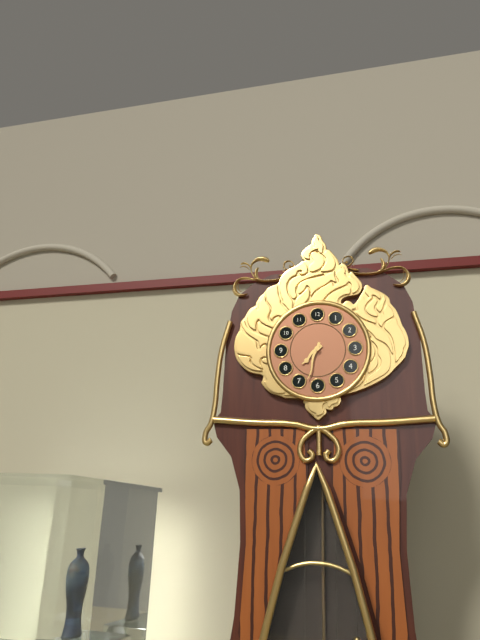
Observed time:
h=7 m=33
